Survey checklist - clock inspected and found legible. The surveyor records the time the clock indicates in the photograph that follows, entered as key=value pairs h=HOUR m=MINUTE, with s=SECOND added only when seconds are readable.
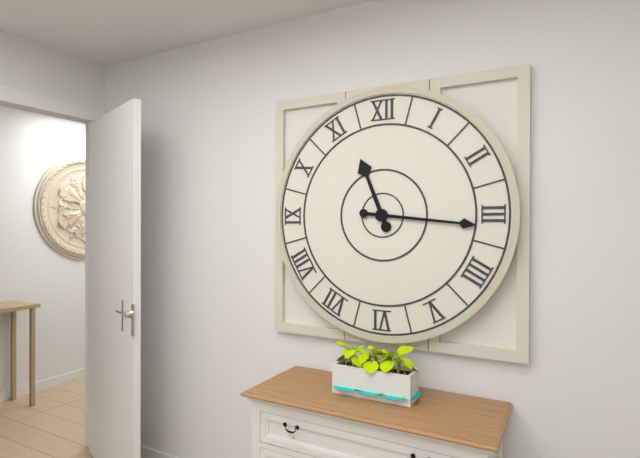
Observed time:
h=11 m=16
